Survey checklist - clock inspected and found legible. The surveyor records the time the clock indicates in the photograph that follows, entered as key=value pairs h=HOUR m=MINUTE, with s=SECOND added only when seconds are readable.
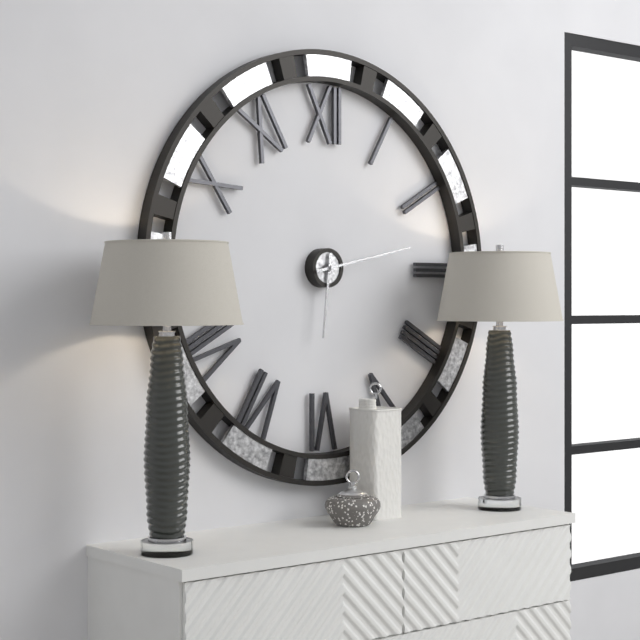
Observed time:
h=6 m=13
